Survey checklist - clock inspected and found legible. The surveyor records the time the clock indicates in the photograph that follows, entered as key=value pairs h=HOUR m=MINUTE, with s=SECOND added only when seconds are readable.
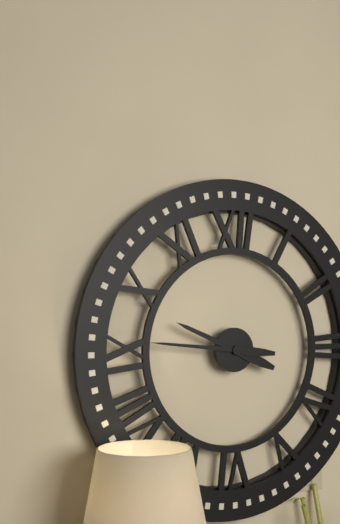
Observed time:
h=9 m=46
